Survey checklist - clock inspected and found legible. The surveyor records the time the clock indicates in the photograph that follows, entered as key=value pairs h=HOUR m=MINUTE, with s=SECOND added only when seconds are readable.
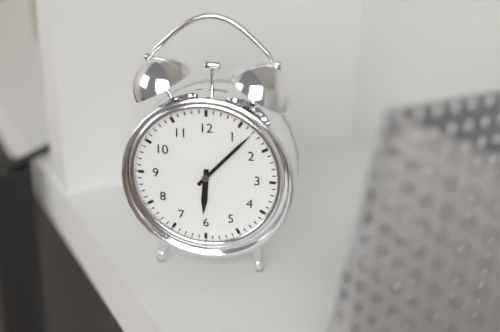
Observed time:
h=6 m=7
